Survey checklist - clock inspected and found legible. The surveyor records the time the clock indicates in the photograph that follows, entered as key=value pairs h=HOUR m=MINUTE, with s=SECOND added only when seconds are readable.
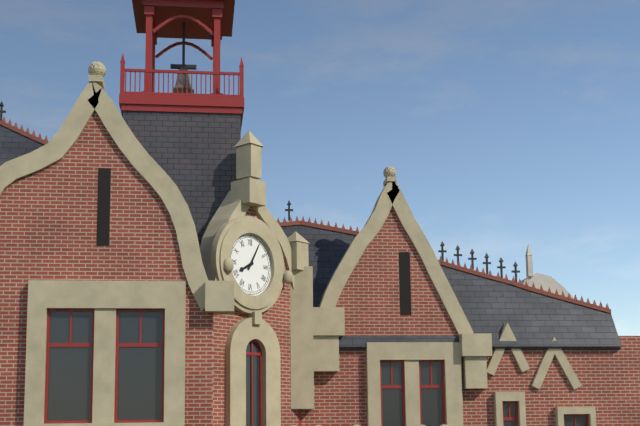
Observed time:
h=8 m=5
